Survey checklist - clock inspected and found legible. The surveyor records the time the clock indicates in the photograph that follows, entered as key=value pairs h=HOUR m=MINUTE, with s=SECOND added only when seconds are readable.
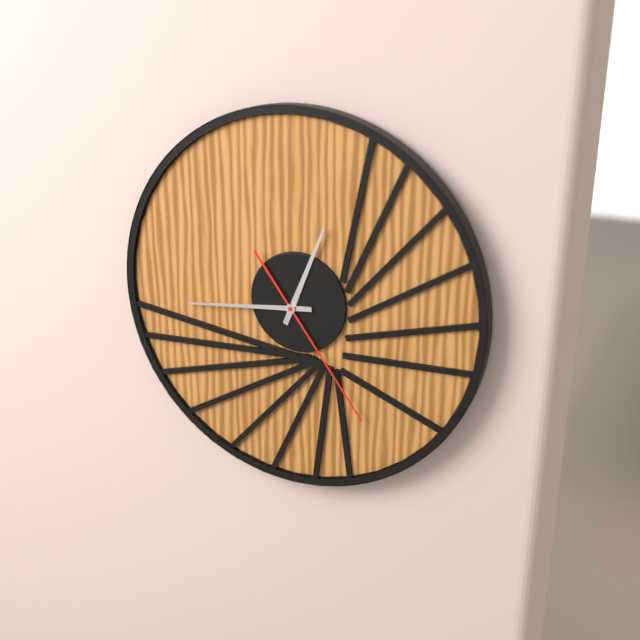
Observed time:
h=12 m=44 s=24
